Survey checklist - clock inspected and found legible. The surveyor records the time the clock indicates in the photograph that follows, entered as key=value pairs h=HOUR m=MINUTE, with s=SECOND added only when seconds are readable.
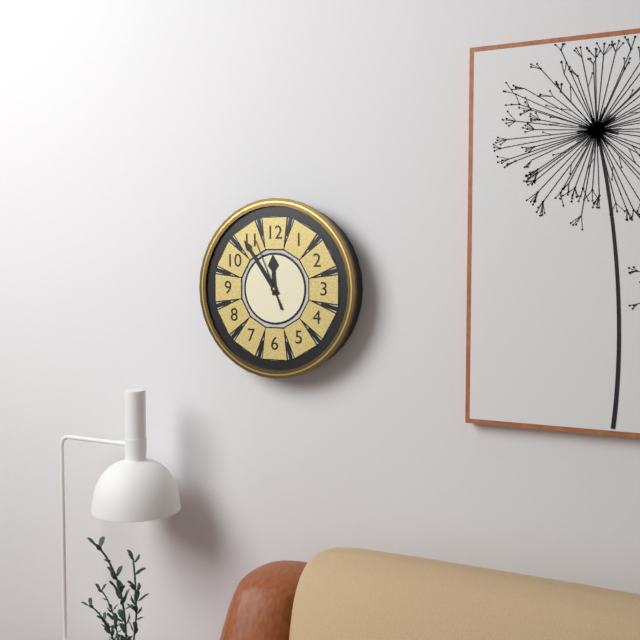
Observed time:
h=11 m=54 s=56
